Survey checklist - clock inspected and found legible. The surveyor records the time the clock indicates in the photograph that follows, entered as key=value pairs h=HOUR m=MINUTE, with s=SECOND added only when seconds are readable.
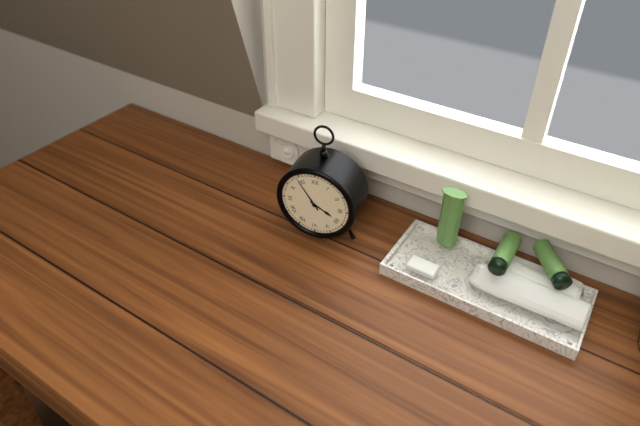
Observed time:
h=3 m=54
